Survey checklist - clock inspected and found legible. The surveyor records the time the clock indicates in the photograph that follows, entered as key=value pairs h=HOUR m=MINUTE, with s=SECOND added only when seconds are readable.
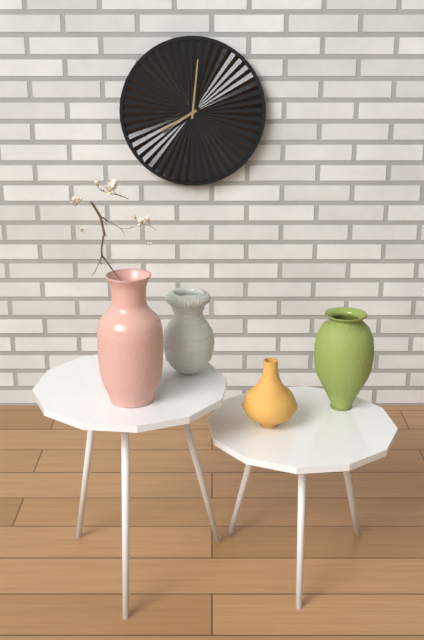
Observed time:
h=8 m=1
